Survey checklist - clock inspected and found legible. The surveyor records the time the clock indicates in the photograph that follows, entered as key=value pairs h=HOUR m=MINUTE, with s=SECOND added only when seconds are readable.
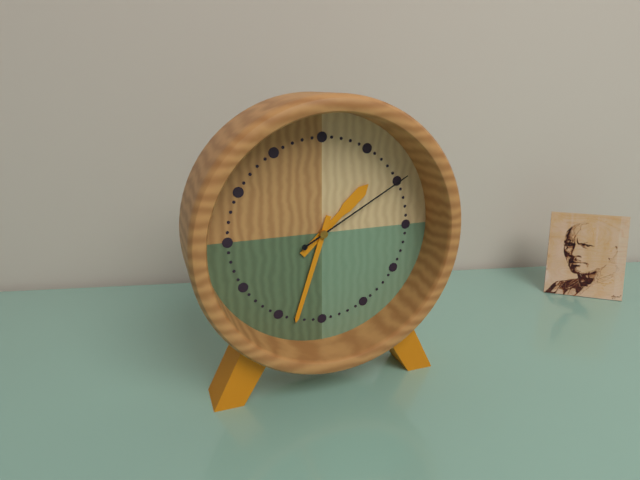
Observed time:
h=1 m=33 s=10
